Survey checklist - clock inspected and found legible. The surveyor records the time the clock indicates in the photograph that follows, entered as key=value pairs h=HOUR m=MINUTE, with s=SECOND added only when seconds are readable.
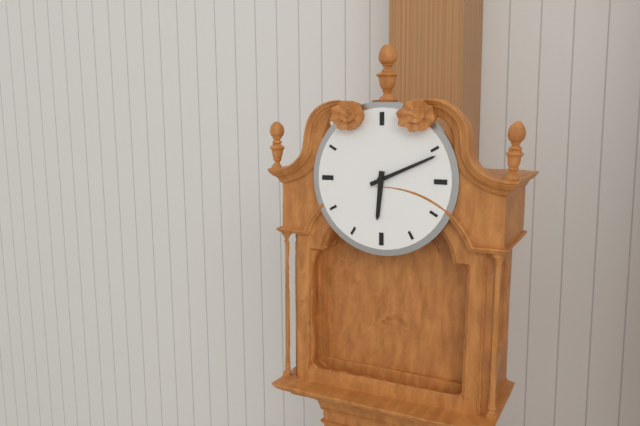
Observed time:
h=6 m=11
